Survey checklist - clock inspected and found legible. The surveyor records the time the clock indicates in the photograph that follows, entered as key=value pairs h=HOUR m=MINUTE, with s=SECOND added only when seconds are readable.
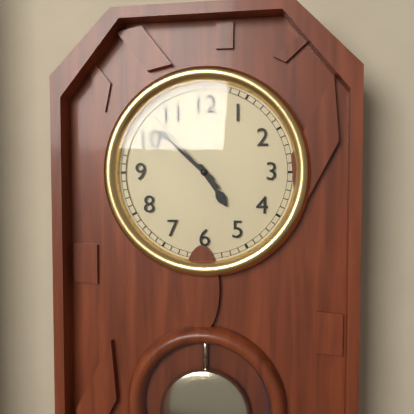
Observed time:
h=4 m=52 s=53
